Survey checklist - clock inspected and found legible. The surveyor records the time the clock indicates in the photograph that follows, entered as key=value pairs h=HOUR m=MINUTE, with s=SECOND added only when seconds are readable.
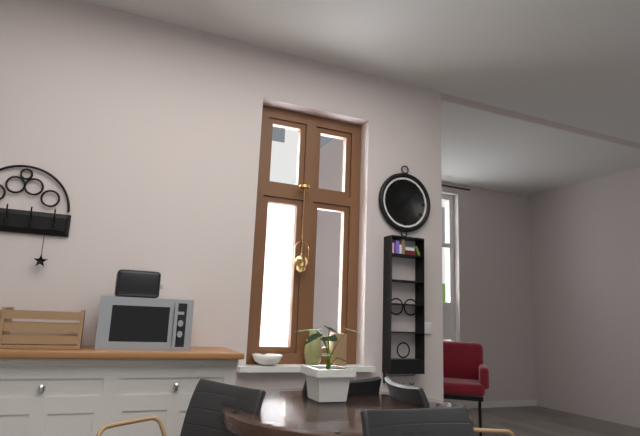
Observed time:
h=7 m=7
